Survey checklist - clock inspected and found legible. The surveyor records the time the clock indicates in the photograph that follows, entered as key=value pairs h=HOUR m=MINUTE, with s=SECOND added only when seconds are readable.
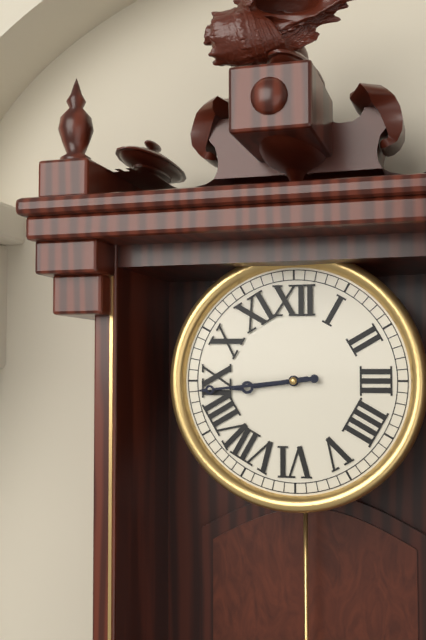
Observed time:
h=8 m=44
